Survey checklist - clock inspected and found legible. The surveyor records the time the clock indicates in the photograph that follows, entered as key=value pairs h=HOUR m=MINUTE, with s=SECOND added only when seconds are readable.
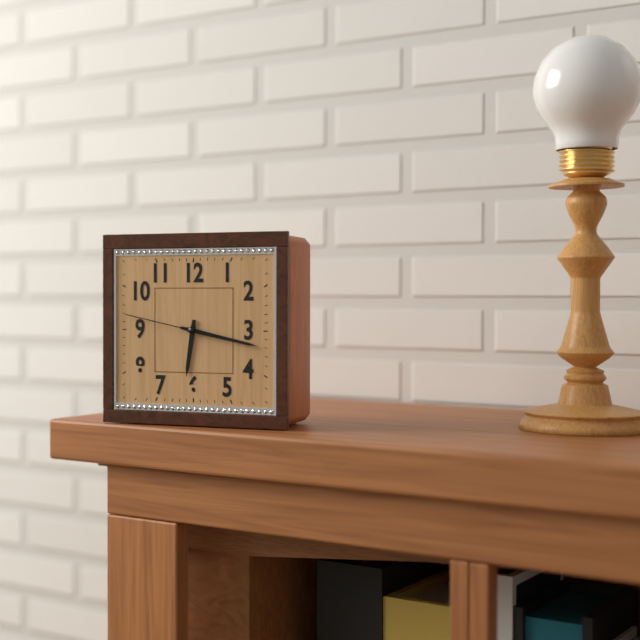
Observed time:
h=6 m=17 s=47
